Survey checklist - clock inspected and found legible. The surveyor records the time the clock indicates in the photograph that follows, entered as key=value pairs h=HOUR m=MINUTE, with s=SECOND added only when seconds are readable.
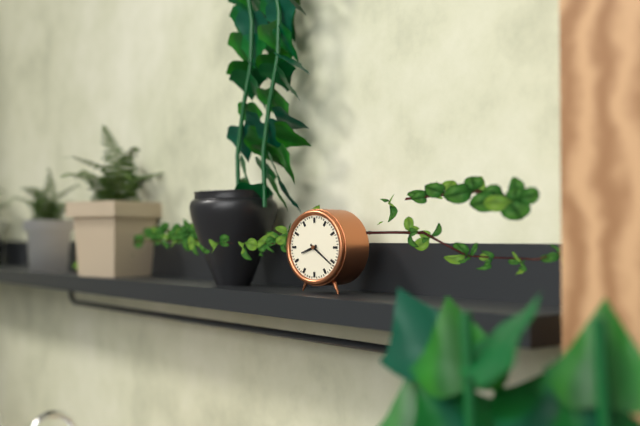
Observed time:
h=8 m=21
